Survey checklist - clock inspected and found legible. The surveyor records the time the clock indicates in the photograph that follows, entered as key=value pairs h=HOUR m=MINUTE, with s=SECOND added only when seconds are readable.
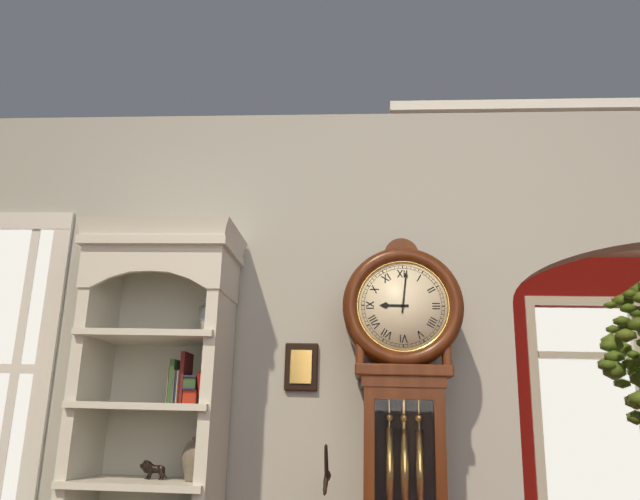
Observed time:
h=9 m=1
